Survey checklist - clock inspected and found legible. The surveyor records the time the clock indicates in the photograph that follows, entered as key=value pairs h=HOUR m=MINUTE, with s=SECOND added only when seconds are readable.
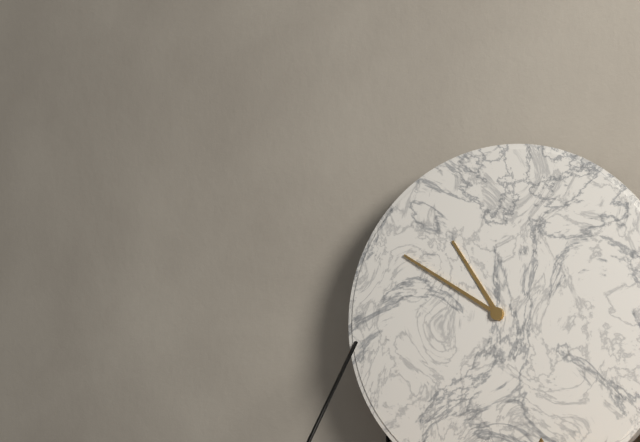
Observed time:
h=10 m=50
